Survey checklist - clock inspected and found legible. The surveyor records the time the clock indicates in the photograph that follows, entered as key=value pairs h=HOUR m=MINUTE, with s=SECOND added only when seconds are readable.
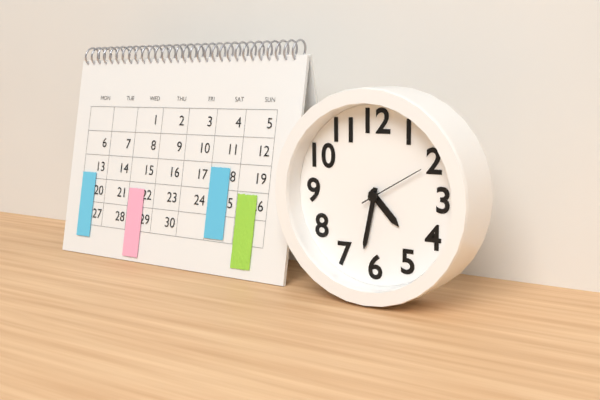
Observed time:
h=4 m=32 s=10
